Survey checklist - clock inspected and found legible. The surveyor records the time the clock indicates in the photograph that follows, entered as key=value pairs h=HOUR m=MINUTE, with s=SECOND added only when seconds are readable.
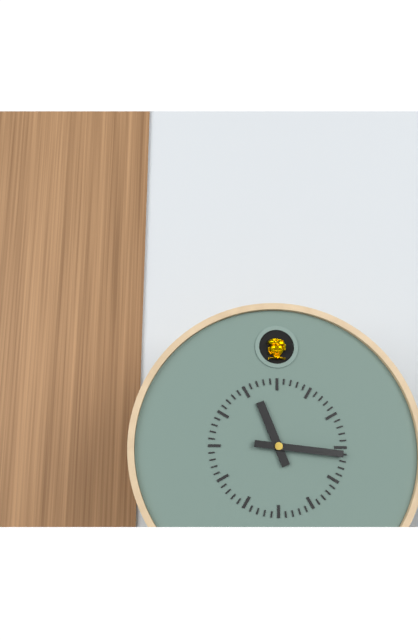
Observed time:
h=11 m=16
